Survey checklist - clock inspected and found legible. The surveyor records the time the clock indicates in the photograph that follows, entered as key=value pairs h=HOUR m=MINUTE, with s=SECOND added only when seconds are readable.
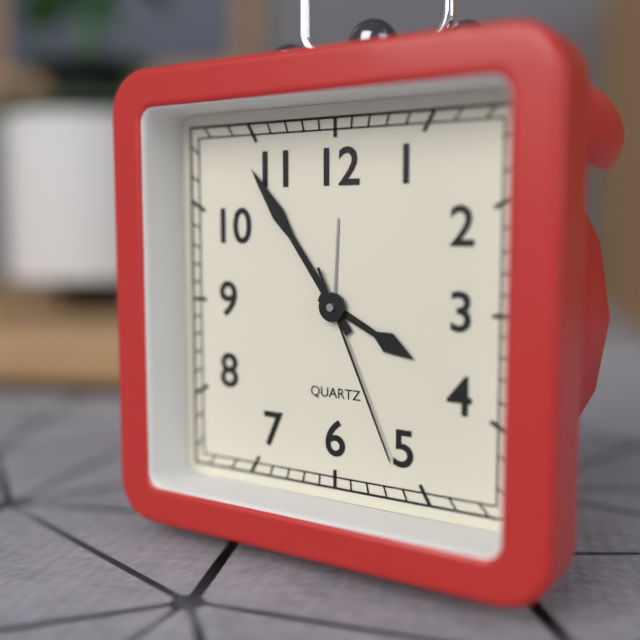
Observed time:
h=3 m=54 s=26
